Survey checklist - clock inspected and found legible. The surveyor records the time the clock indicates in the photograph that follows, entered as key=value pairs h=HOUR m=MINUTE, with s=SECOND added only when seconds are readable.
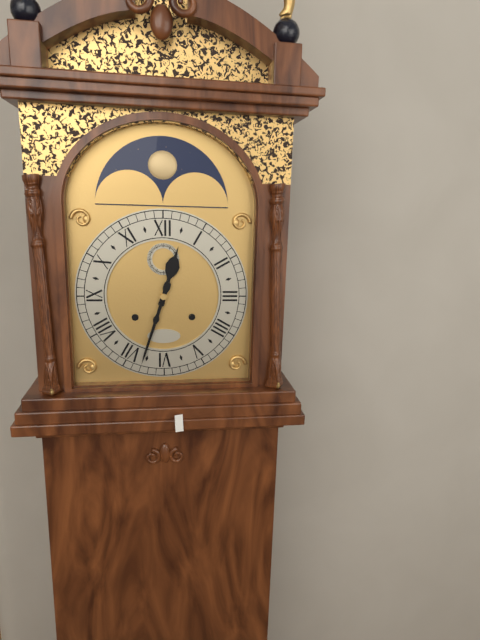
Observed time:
h=12 m=33
